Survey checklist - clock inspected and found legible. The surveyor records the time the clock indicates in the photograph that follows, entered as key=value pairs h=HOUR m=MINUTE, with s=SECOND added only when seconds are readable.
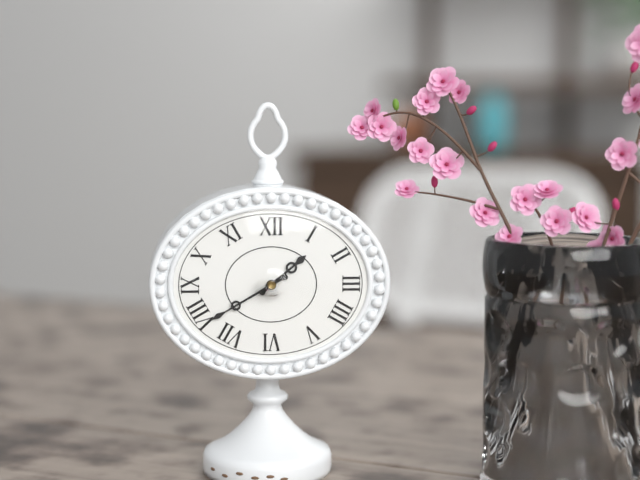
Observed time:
h=1 m=40
